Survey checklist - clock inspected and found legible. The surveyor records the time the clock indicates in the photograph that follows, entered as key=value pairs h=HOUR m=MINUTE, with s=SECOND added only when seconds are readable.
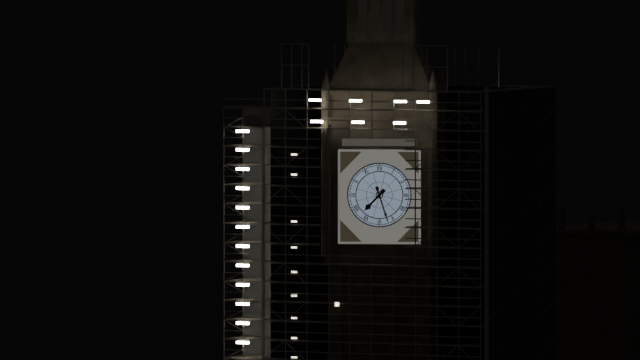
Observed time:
h=7 m=27
